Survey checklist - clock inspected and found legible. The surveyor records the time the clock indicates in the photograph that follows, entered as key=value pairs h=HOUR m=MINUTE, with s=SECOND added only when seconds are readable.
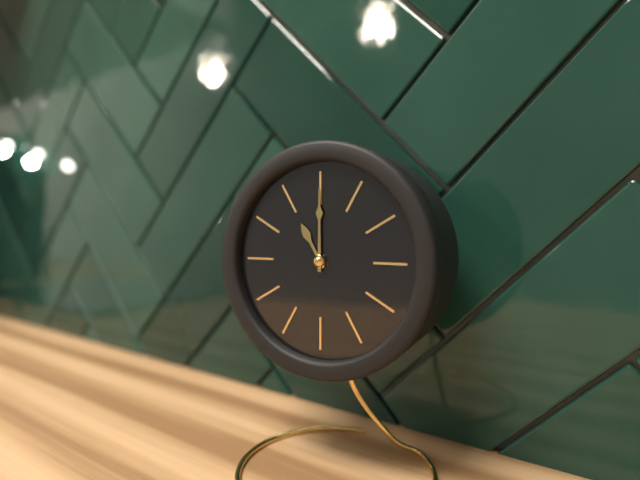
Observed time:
h=11 m=0
